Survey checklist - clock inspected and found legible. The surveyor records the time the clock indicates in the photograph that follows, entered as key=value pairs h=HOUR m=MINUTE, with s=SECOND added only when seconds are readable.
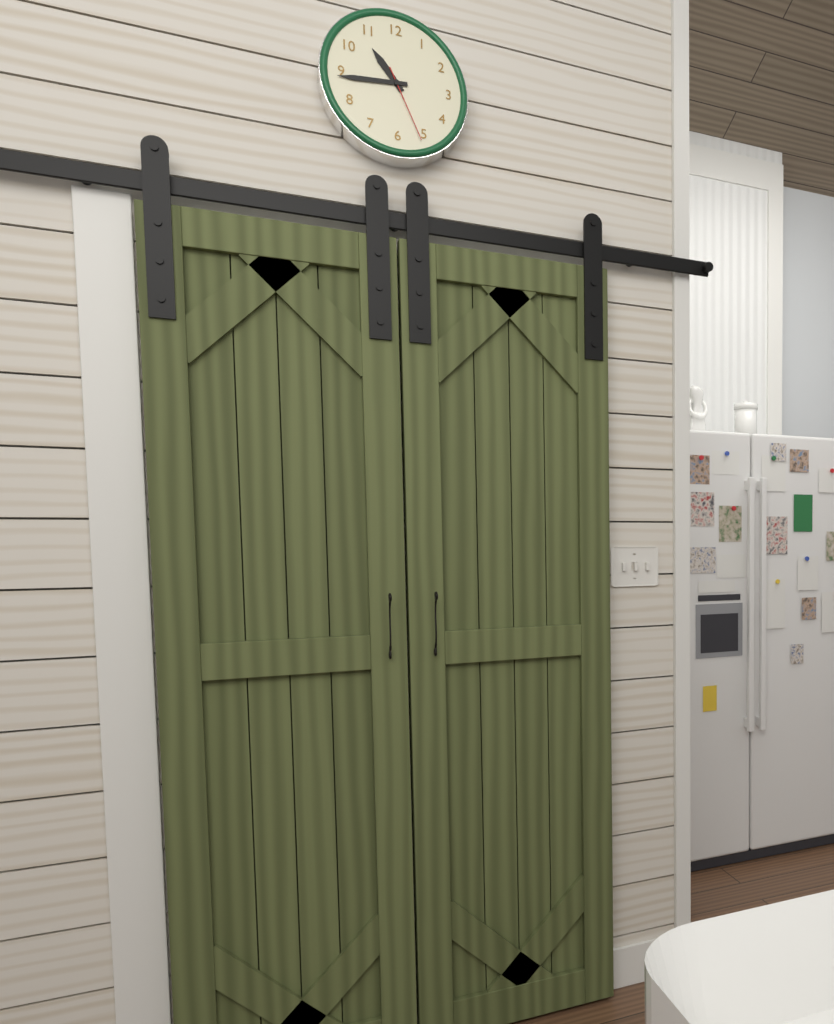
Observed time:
h=10 m=44 s=26
